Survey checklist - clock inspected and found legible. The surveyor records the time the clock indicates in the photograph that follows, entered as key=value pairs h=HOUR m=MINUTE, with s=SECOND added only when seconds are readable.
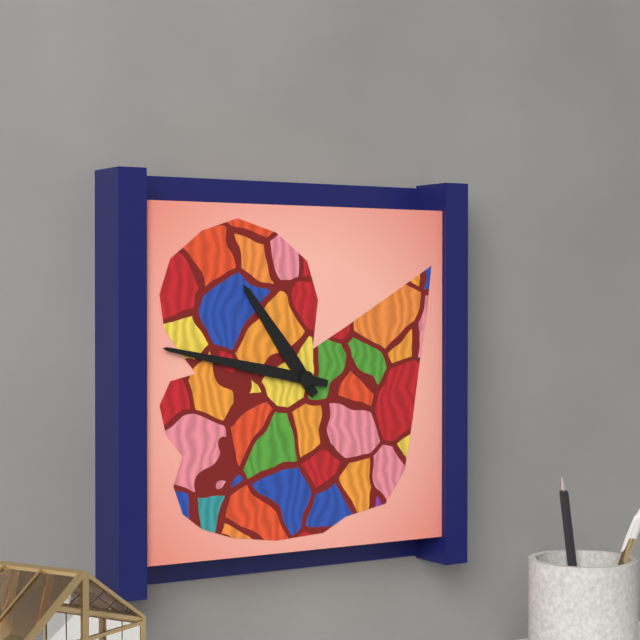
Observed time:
h=10 m=47
